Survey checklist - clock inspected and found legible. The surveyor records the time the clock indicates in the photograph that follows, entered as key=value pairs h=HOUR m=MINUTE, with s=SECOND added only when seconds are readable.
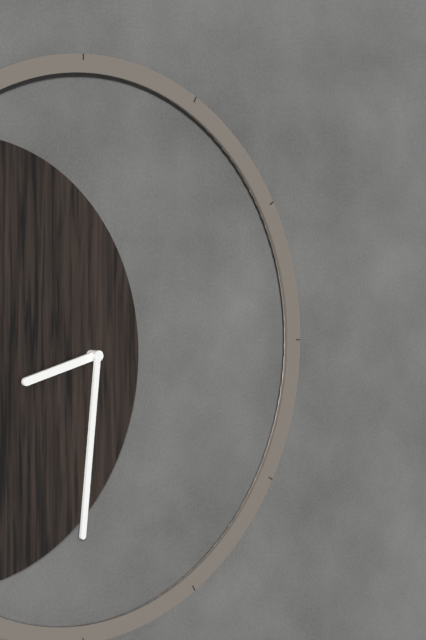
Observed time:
h=8 m=31
